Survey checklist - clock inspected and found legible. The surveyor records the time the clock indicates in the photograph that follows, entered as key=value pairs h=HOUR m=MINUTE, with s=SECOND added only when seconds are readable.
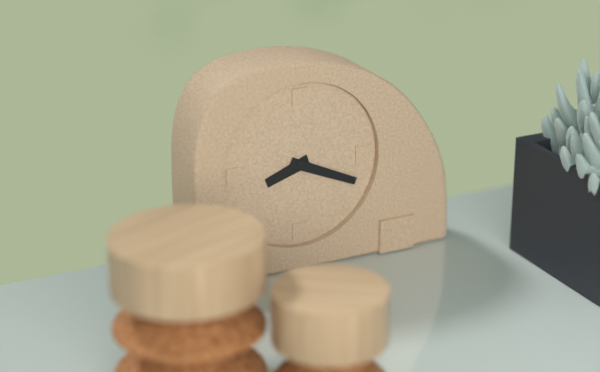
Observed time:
h=8 m=19
